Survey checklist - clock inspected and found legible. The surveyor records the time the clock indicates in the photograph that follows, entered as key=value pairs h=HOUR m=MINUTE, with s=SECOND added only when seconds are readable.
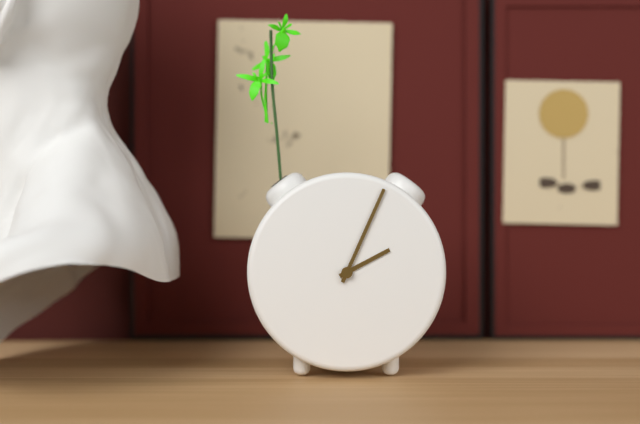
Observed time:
h=2 m=4
